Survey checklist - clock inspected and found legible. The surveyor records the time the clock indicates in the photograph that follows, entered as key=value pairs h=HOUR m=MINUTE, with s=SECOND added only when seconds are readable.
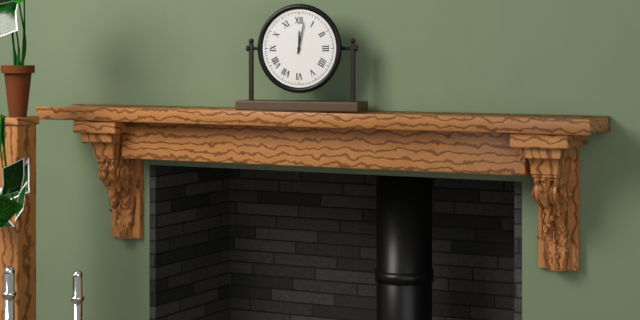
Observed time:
h=12 m=2
